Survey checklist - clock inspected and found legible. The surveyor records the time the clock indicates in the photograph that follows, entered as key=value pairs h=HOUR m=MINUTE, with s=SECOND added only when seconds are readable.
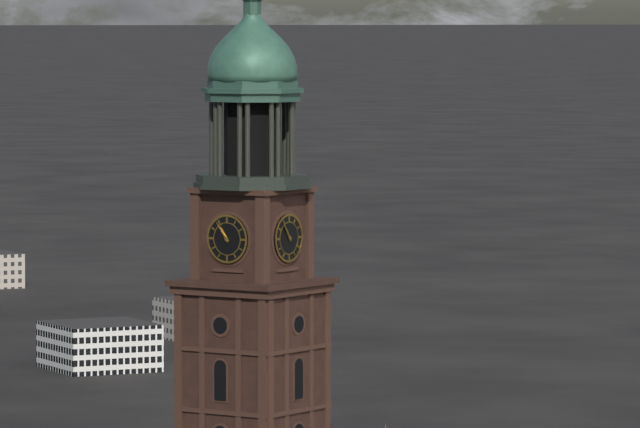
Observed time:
h=10 m=54
